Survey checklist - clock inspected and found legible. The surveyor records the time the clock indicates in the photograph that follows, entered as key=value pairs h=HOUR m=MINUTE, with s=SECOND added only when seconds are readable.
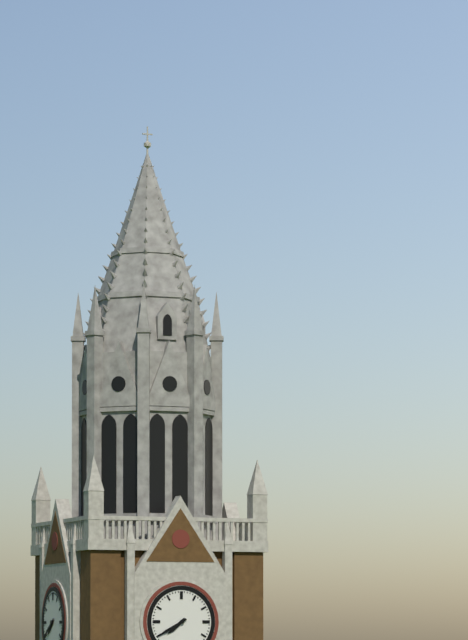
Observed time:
h=7 m=40
